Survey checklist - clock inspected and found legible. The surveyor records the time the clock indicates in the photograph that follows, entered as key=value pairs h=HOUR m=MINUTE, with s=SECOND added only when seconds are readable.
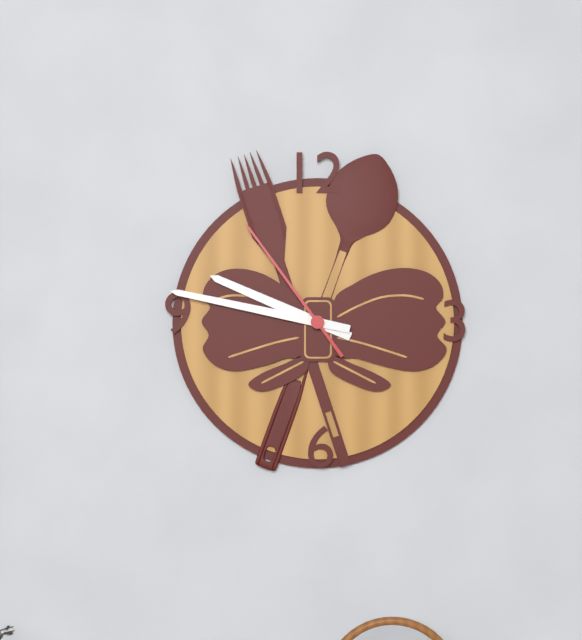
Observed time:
h=9 m=47 s=54
